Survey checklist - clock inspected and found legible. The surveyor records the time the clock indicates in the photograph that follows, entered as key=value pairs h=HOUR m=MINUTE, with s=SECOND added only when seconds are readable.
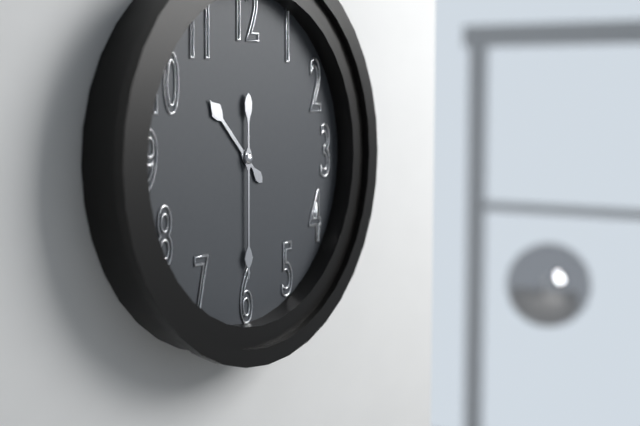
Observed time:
h=10 m=30
